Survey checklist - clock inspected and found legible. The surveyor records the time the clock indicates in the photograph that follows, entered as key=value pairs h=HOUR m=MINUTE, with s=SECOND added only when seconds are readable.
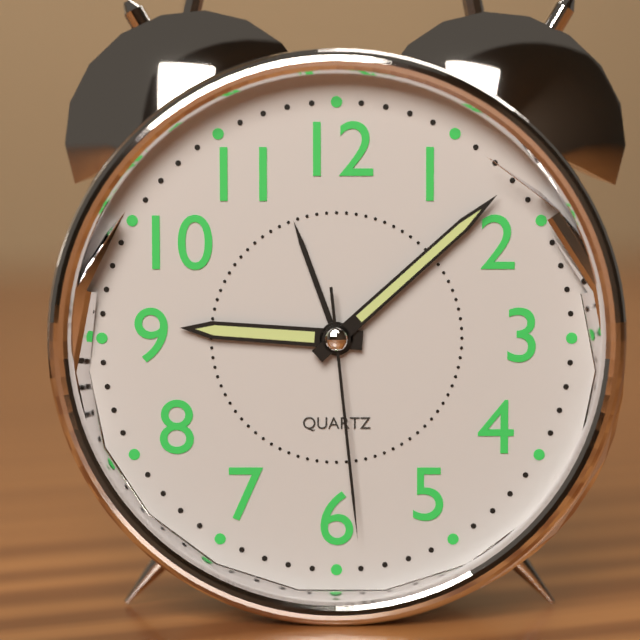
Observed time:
h=9 m=8 s=29
